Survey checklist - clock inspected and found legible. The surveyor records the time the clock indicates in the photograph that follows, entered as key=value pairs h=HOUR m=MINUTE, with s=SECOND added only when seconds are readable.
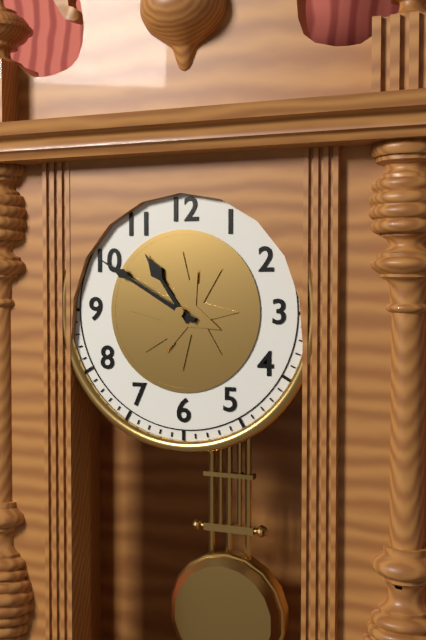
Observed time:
h=10 m=50
